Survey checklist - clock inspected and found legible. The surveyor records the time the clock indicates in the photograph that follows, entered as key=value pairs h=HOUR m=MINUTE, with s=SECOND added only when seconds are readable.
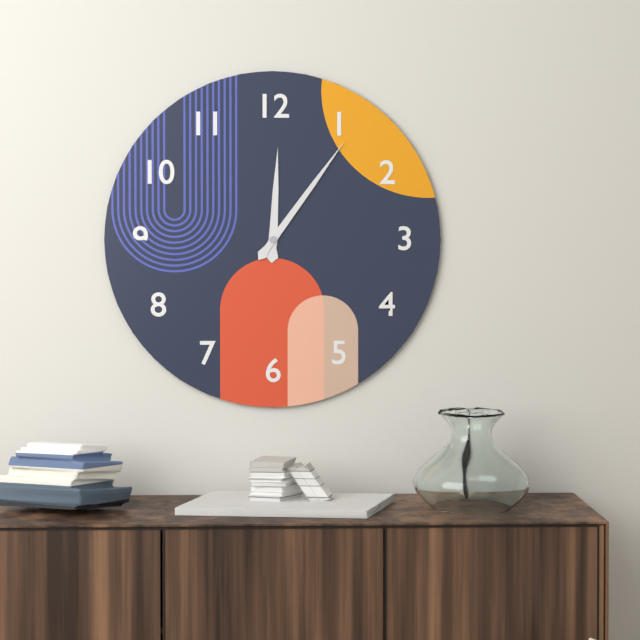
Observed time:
h=12 m=6
